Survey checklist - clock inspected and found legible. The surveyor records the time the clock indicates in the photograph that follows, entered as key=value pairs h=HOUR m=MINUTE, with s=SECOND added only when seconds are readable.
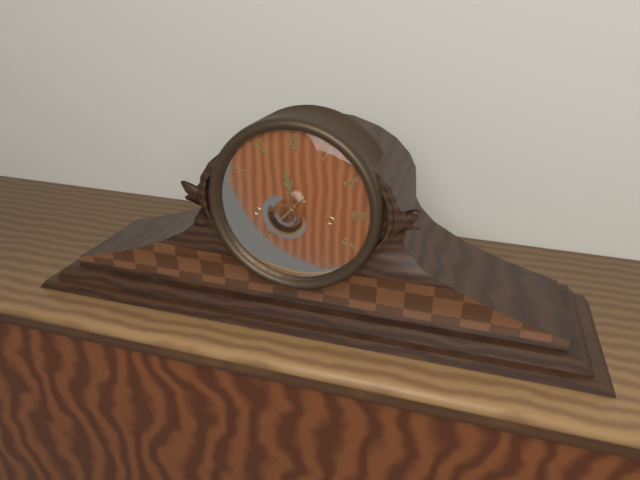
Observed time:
h=11 m=37
